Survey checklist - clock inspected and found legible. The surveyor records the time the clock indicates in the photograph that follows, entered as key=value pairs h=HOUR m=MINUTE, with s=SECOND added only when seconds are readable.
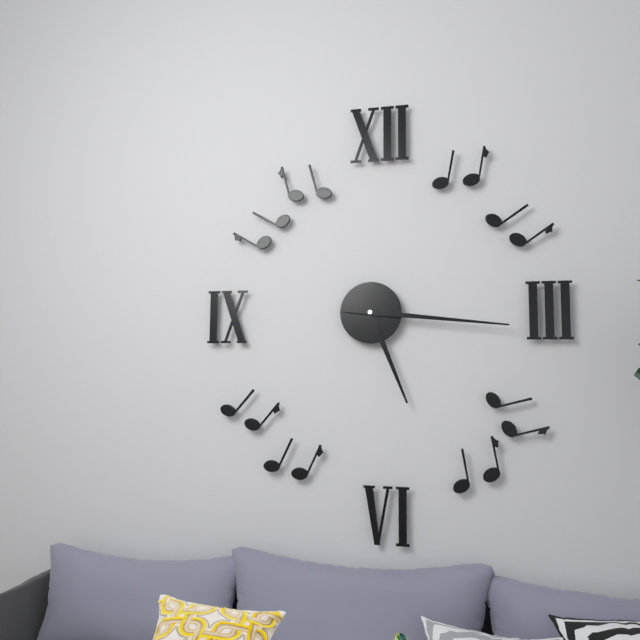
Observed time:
h=5 m=16
